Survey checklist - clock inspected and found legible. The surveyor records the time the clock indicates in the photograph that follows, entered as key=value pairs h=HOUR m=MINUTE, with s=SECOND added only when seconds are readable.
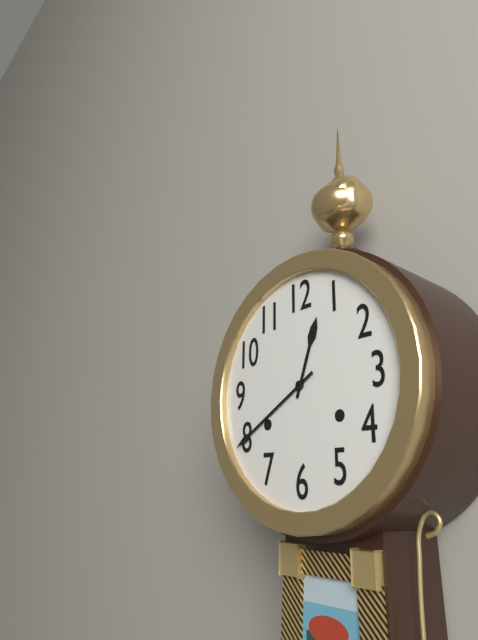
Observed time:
h=12 m=40
